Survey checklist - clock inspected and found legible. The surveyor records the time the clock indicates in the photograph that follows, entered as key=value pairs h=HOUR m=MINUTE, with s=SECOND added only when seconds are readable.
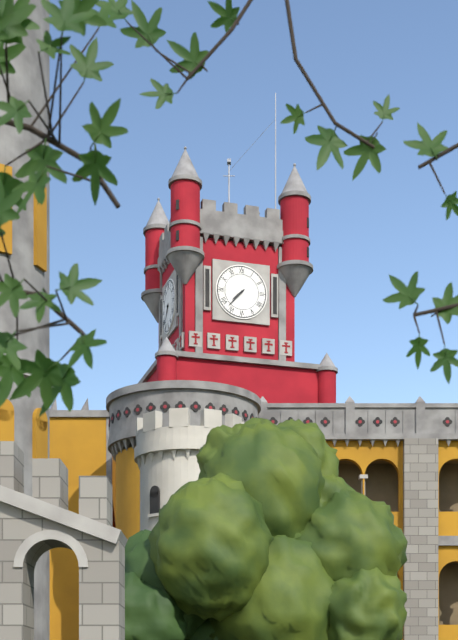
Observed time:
h=7 m=37
